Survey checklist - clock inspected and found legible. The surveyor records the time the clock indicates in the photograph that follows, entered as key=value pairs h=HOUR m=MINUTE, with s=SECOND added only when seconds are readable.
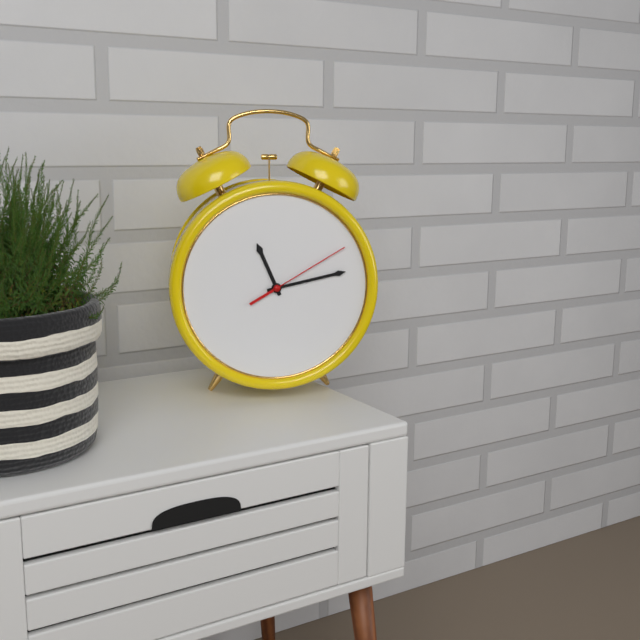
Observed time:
h=11 m=13 s=10
